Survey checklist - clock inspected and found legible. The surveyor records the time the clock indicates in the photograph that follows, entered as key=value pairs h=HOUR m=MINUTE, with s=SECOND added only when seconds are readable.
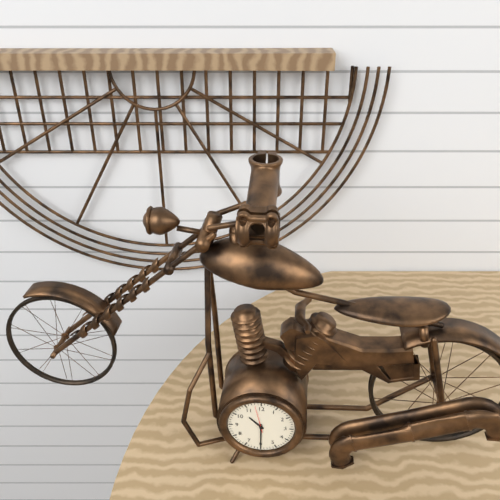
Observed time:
h=10 m=30
